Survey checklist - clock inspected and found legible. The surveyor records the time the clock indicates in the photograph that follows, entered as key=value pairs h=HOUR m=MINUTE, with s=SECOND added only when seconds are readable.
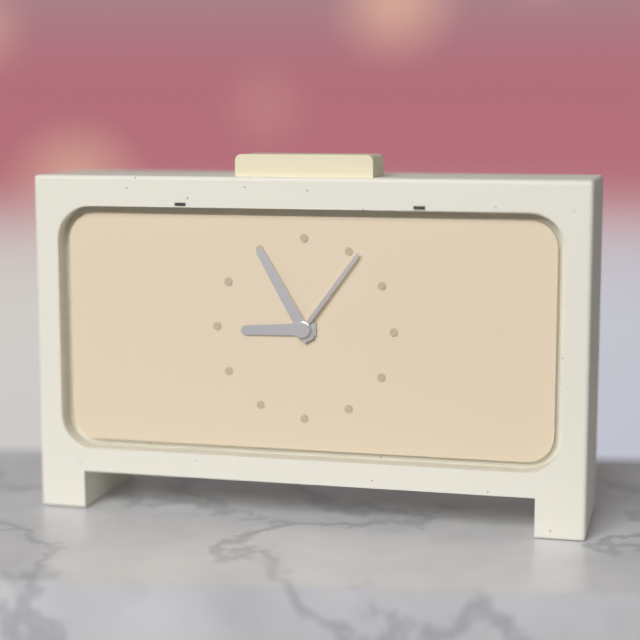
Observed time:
h=8 m=55 s=6
